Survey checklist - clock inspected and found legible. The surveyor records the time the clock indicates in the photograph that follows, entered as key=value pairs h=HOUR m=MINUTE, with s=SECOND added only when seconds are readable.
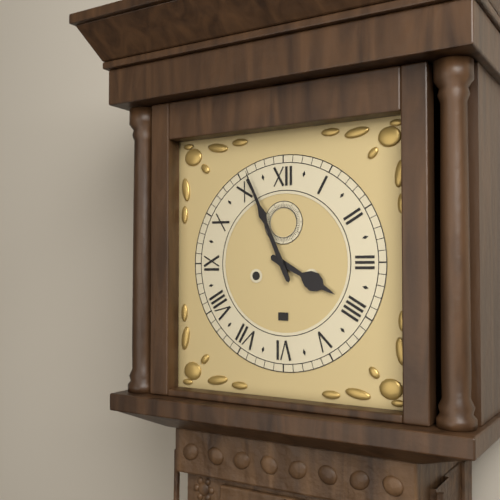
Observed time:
h=3 m=56
